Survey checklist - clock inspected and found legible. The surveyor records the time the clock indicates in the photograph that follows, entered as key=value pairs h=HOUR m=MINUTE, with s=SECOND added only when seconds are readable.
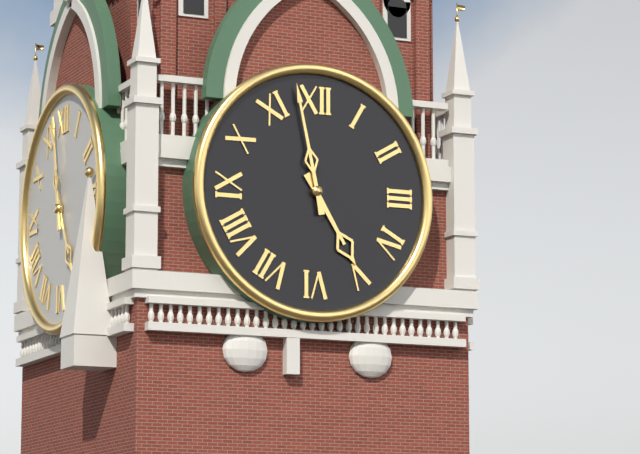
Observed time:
h=4 m=58
